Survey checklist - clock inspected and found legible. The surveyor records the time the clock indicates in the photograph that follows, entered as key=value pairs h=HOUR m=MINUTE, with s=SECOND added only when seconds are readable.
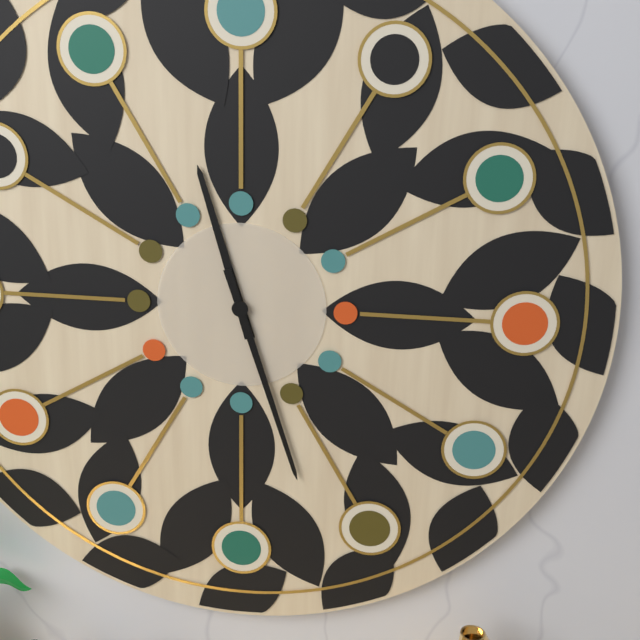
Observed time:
h=11 m=27
